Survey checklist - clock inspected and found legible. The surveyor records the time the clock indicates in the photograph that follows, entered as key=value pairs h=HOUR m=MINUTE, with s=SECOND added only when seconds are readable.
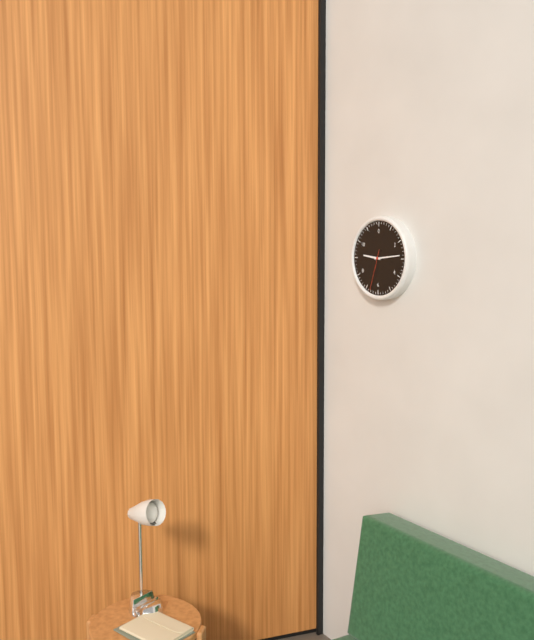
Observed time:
h=9 m=14
